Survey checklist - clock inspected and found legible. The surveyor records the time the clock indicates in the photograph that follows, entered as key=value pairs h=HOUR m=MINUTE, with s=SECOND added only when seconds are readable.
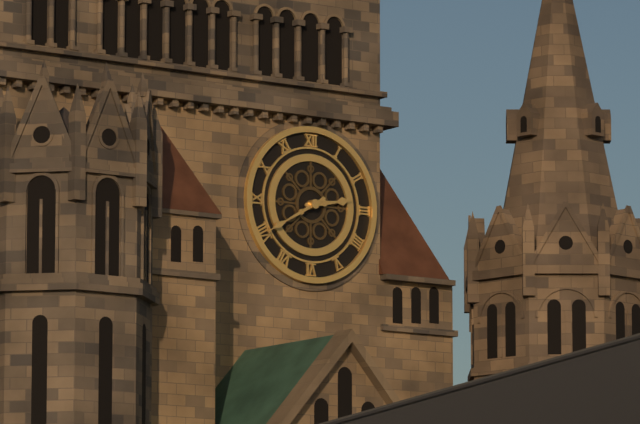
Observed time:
h=2 m=40
